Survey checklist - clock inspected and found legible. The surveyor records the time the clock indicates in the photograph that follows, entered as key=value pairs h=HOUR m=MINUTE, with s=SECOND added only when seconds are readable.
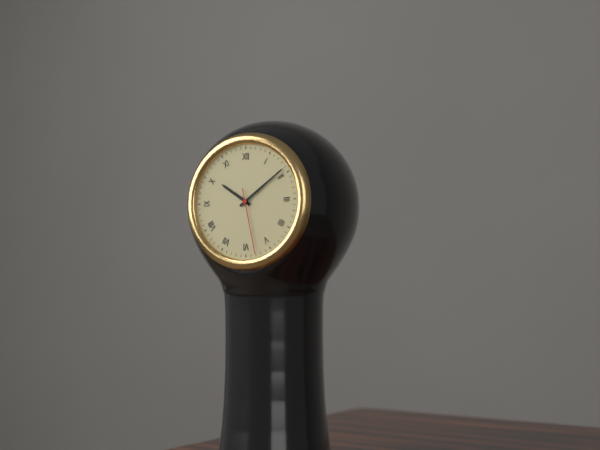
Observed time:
h=10 m=9 s=28
